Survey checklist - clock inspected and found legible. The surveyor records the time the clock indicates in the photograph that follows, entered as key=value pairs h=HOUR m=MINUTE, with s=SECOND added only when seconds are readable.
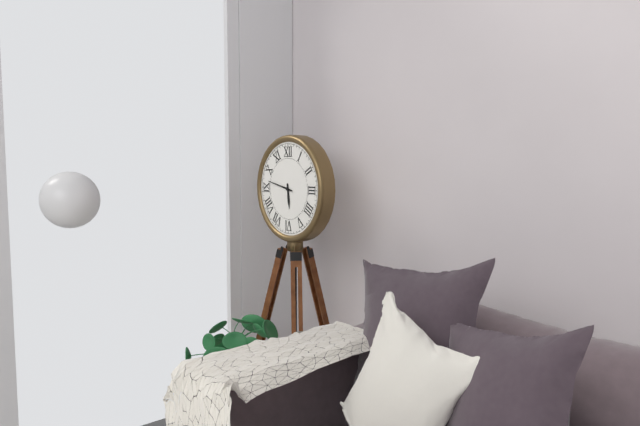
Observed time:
h=5 m=47
